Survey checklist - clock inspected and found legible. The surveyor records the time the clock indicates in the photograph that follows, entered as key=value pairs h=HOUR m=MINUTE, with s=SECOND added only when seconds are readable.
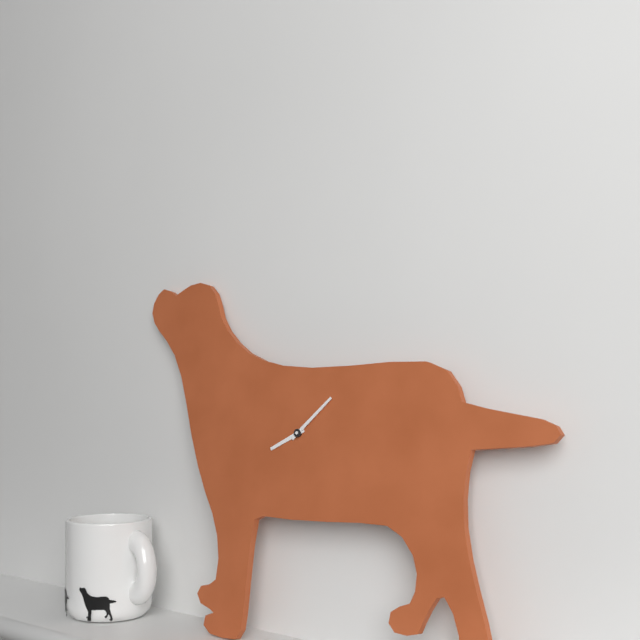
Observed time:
h=8 m=8
